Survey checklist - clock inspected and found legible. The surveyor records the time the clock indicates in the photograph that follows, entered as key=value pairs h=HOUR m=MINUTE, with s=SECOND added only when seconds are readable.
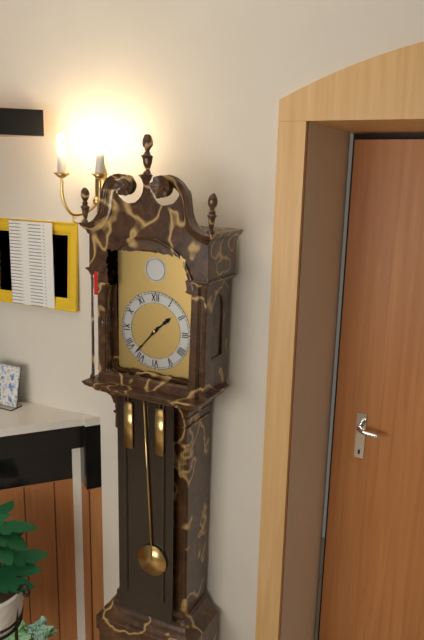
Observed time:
h=1 m=37
